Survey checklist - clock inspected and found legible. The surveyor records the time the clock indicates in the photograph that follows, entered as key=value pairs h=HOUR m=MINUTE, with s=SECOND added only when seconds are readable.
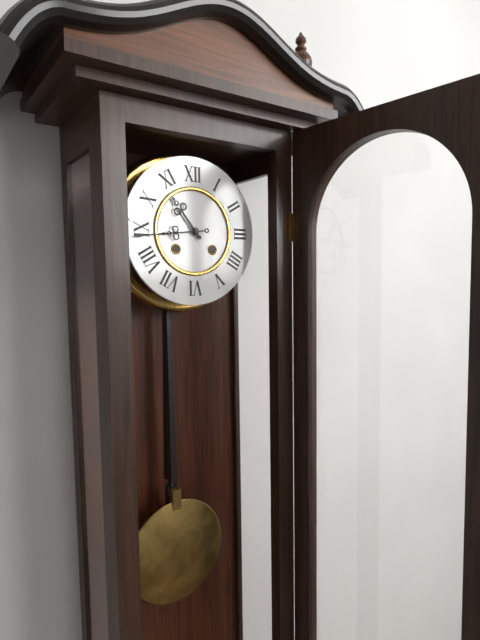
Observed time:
h=10 m=44
